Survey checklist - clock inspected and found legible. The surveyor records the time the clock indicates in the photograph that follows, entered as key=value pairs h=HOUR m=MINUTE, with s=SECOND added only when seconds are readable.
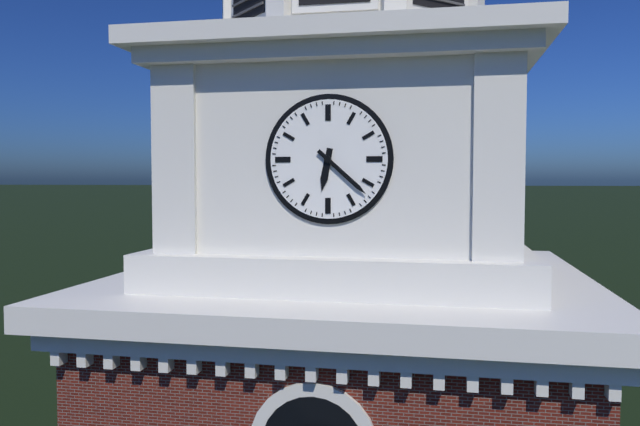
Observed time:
h=6 m=22
